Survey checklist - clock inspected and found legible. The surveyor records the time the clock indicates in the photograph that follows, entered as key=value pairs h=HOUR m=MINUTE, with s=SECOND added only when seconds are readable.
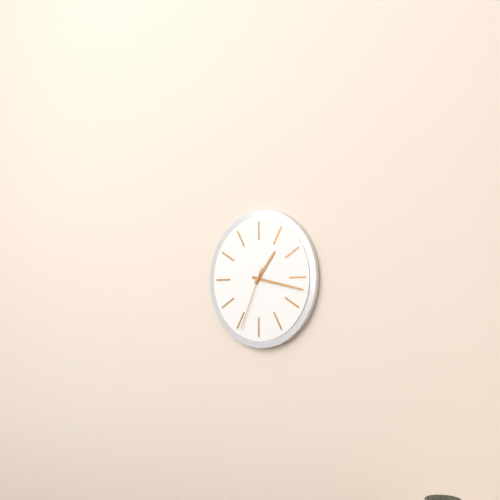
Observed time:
h=1 m=17 s=34
